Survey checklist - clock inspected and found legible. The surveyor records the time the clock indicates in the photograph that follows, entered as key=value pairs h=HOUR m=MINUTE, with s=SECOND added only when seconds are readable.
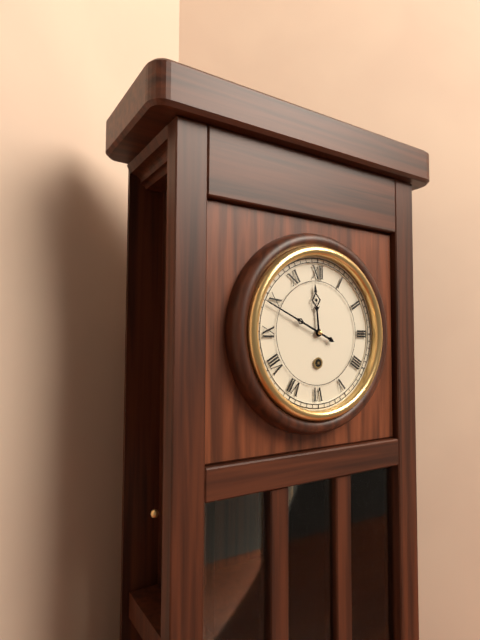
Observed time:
h=11 m=49
